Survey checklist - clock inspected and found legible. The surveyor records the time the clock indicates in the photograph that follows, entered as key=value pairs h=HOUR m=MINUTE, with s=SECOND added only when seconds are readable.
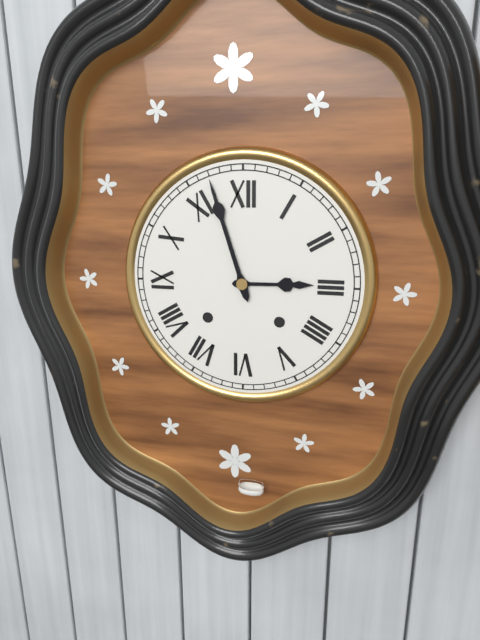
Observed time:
h=2 m=57
